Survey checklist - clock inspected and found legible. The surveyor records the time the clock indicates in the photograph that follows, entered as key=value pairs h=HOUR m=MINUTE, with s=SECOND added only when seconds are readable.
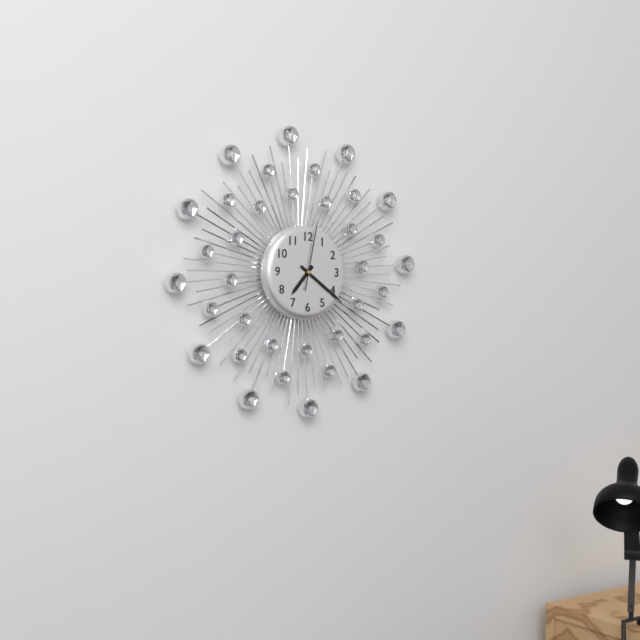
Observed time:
h=7 m=21 s=2
